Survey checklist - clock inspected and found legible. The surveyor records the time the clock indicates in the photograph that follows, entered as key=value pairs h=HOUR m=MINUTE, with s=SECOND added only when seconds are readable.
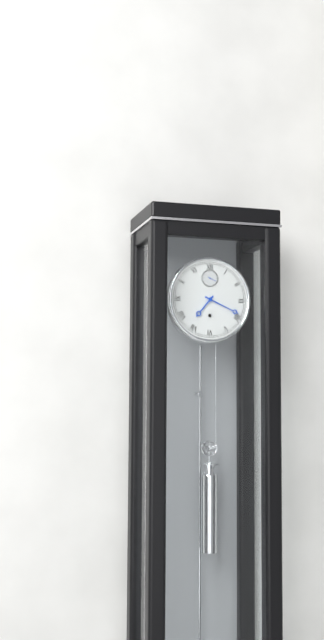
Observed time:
h=7 m=19
